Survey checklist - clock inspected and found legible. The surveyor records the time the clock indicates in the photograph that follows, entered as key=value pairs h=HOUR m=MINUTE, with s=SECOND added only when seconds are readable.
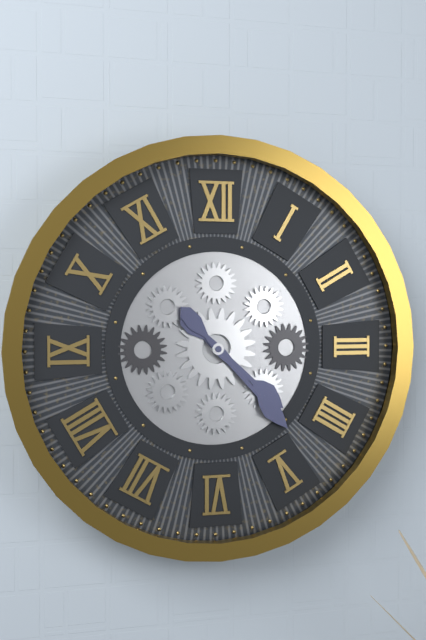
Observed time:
h=4 m=23
